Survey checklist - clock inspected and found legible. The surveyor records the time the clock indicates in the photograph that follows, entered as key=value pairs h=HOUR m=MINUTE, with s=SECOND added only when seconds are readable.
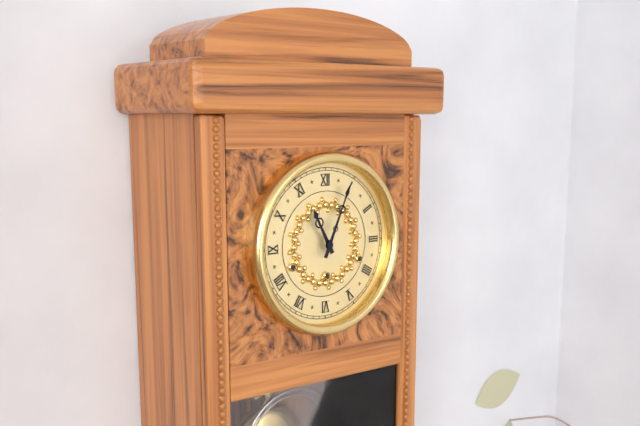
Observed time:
h=11 m=4
